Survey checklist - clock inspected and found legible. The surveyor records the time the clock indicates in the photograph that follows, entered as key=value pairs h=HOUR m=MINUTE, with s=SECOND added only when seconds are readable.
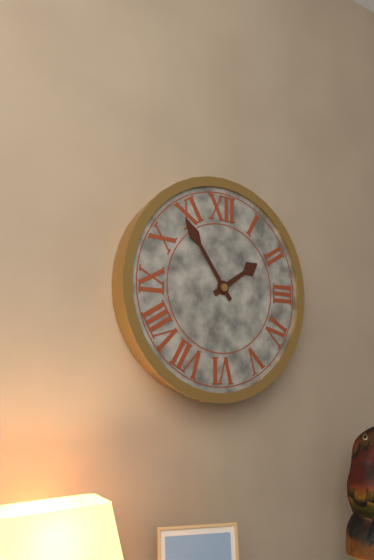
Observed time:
h=1 m=54
